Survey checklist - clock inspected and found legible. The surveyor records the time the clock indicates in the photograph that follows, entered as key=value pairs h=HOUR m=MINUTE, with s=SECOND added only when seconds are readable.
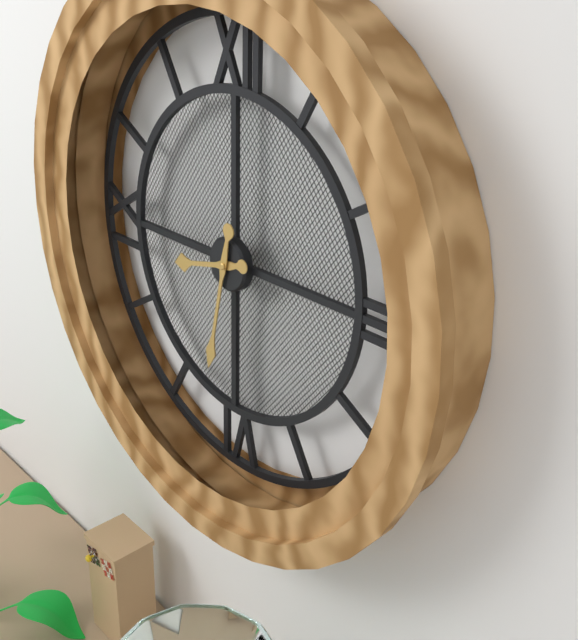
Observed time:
h=8 m=32
